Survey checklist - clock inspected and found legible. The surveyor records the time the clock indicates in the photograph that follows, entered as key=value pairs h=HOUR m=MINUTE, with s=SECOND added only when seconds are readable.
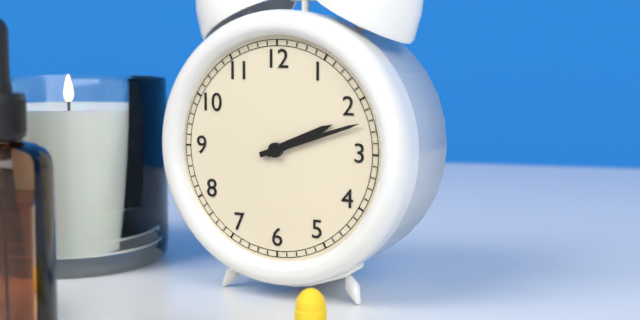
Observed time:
h=2 m=12
